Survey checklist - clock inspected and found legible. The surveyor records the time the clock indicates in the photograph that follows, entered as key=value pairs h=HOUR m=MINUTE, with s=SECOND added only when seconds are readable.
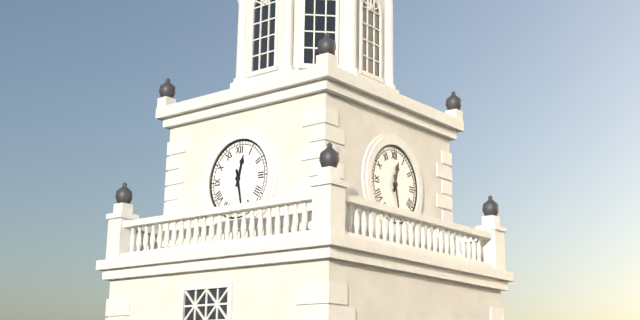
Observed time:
h=12 m=28
